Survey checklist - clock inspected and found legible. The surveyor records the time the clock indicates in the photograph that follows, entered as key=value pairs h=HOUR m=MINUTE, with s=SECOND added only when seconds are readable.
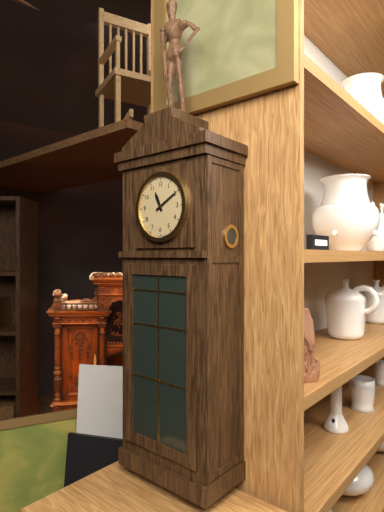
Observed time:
h=11 m=10
